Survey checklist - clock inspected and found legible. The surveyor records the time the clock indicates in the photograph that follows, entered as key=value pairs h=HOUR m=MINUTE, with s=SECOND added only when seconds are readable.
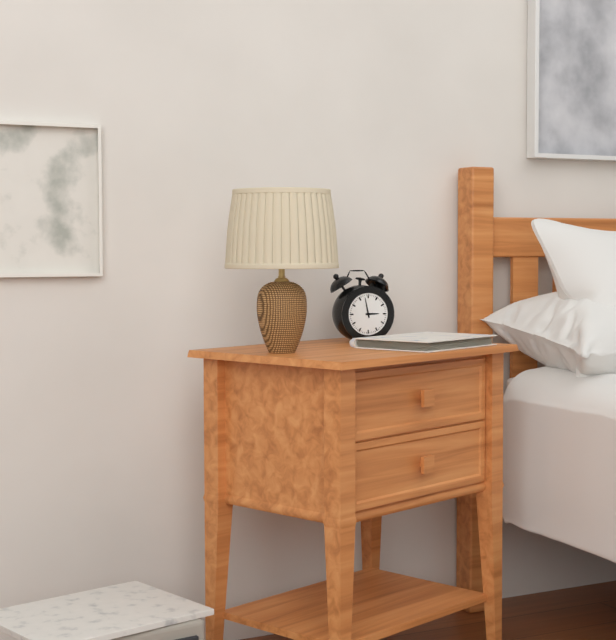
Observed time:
h=2 m=58
